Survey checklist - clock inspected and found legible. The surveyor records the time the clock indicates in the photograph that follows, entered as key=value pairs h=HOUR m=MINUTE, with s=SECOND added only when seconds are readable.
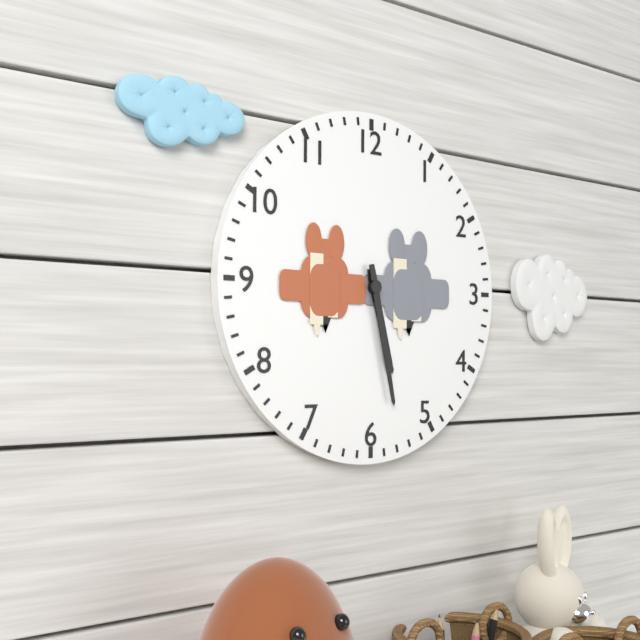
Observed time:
h=5 m=28
